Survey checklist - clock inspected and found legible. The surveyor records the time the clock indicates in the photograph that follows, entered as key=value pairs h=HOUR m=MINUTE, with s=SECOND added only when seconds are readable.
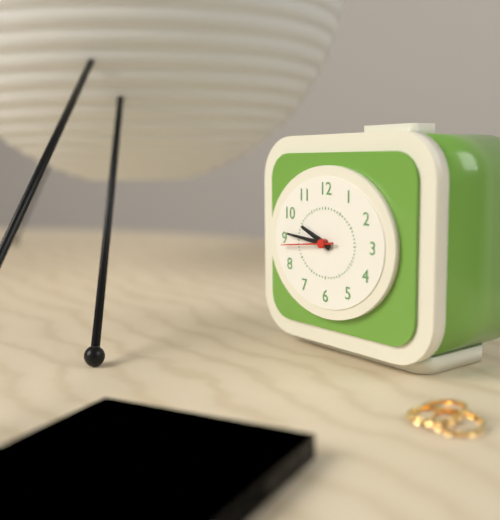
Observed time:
h=9 m=46 s=44
